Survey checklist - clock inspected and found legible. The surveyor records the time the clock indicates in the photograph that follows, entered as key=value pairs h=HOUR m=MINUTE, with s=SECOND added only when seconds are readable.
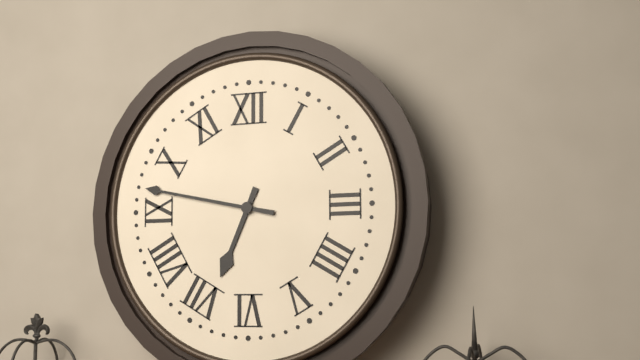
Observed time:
h=6 m=47
